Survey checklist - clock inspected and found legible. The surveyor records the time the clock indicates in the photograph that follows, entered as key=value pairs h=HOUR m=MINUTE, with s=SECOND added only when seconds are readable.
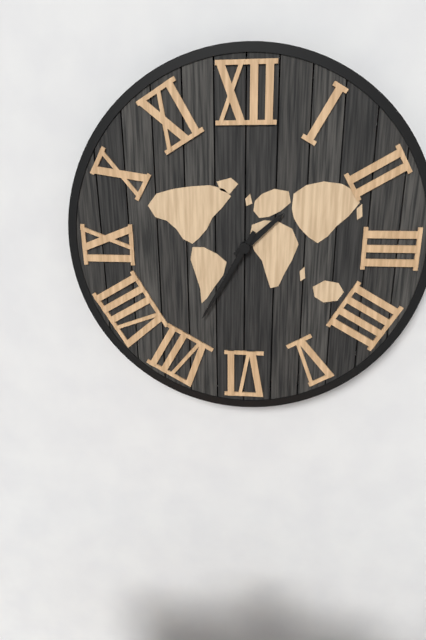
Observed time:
h=1 m=35
